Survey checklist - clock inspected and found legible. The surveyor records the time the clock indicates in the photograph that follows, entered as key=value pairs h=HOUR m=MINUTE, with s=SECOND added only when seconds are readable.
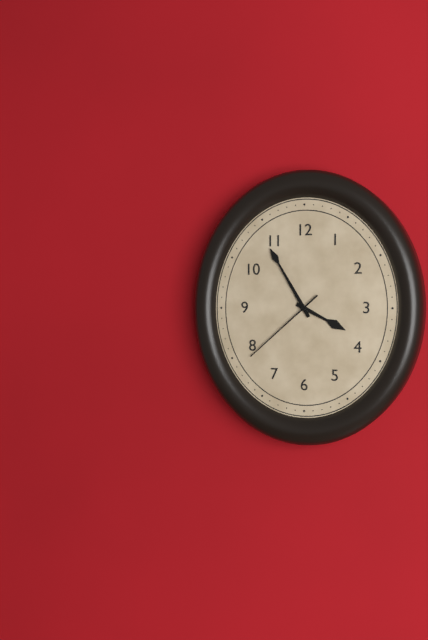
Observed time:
h=3 m=55 s=38
